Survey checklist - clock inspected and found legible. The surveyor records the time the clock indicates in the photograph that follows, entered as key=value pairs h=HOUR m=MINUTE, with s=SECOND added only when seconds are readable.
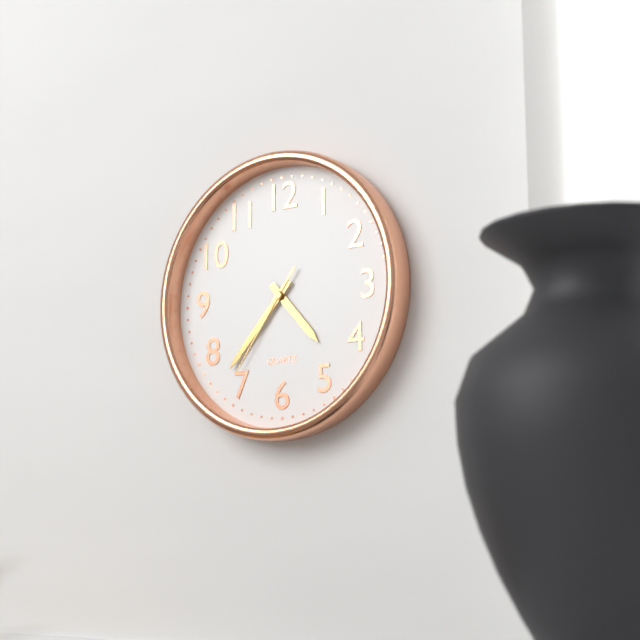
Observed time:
h=4 m=37 s=36
